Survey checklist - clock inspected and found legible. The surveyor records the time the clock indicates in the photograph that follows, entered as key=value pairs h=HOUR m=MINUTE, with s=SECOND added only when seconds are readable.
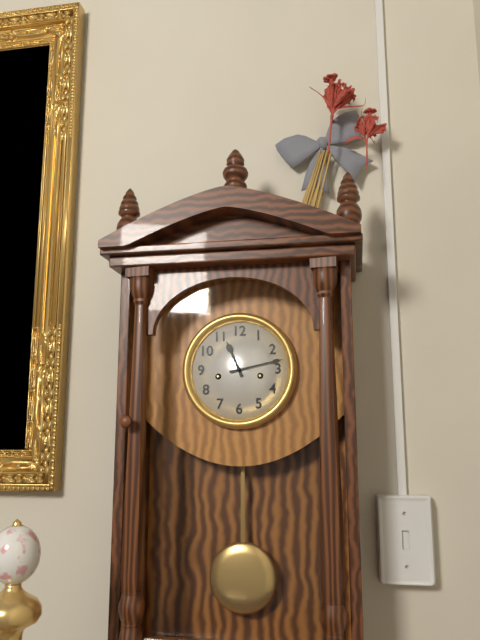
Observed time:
h=11 m=13
